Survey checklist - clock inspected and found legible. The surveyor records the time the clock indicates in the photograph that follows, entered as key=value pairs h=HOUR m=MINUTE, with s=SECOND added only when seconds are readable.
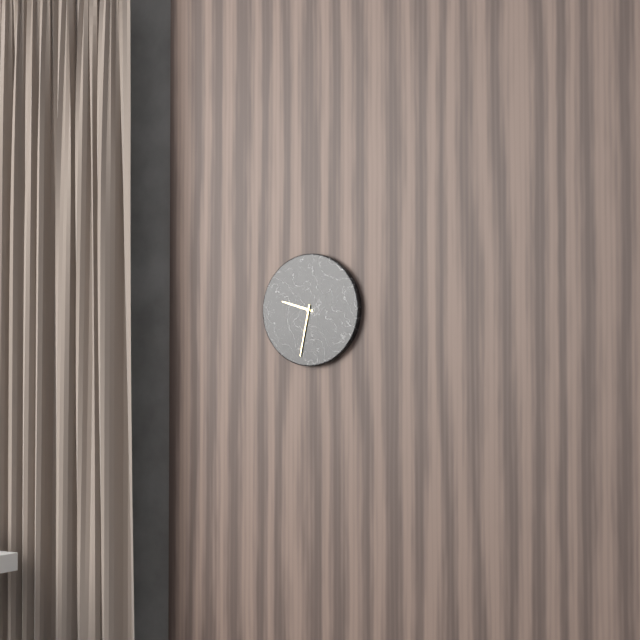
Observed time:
h=9 m=32
